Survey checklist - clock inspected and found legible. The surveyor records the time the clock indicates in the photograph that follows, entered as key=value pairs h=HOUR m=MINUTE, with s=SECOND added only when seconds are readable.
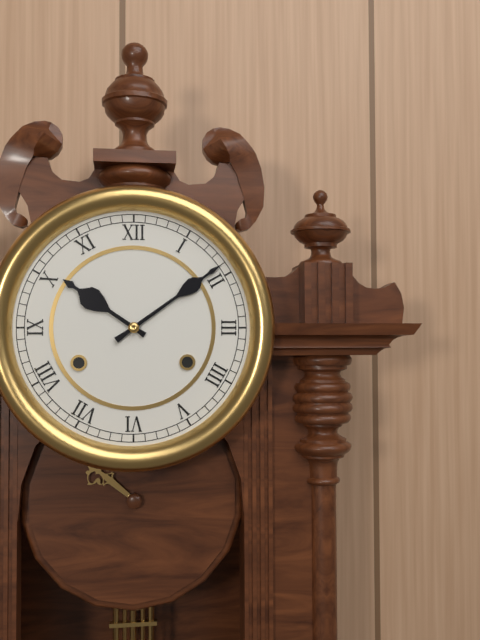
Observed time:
h=10 m=9
